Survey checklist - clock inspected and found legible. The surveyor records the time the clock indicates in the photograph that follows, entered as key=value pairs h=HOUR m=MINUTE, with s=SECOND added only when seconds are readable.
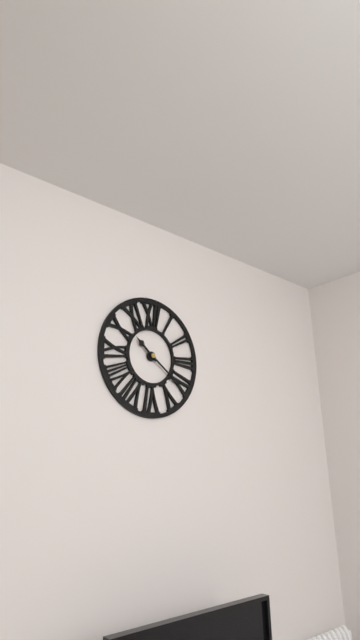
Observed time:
h=10 m=21
